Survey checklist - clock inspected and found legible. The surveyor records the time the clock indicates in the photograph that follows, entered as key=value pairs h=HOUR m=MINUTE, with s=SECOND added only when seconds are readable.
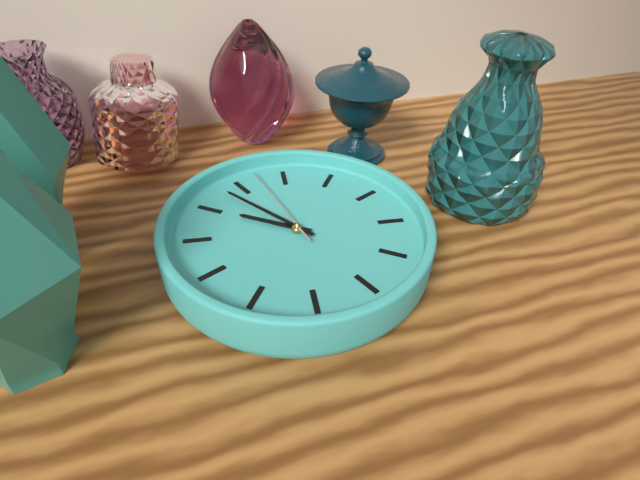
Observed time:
h=10 m=58 s=2
